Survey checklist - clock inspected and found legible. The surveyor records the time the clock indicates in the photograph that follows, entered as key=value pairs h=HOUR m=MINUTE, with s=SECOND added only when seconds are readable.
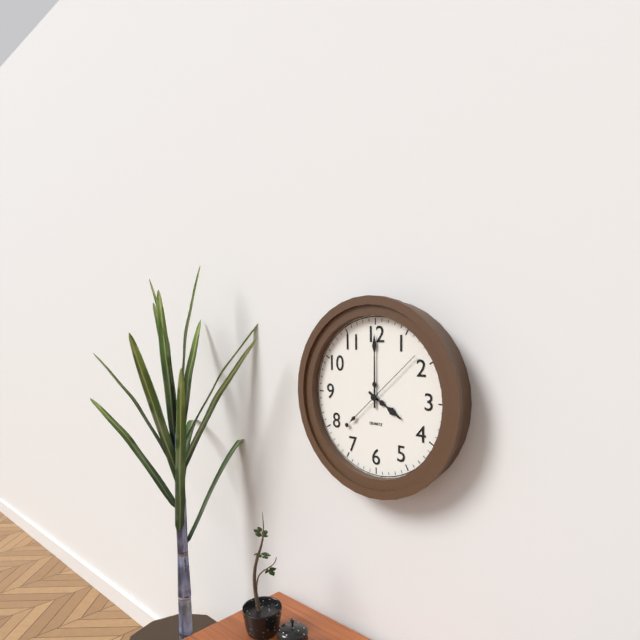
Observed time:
h=4 m=0 s=8
